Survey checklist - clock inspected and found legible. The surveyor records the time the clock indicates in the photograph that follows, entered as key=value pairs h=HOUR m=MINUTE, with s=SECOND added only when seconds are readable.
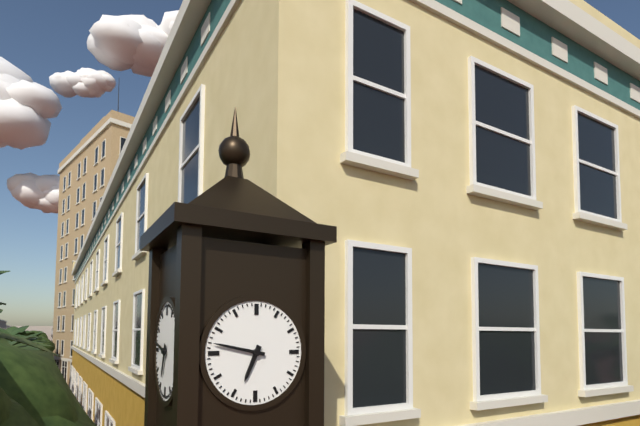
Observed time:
h=6 m=47
